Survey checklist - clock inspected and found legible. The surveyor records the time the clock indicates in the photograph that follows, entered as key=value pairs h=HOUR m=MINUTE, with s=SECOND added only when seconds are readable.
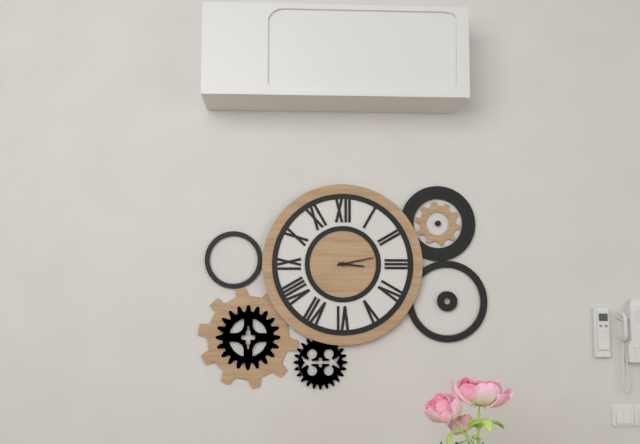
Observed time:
h=3 m=13
